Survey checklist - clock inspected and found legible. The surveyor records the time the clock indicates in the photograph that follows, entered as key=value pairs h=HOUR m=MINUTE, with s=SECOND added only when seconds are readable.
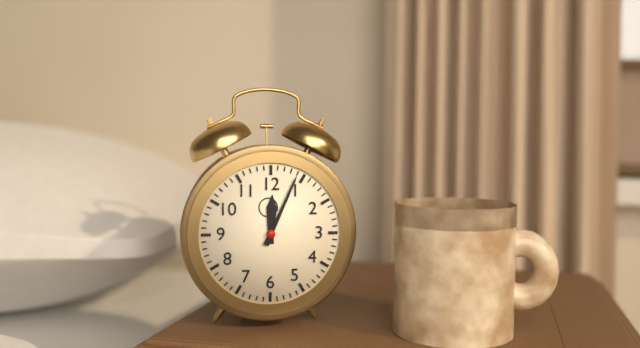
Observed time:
h=12 m=4
